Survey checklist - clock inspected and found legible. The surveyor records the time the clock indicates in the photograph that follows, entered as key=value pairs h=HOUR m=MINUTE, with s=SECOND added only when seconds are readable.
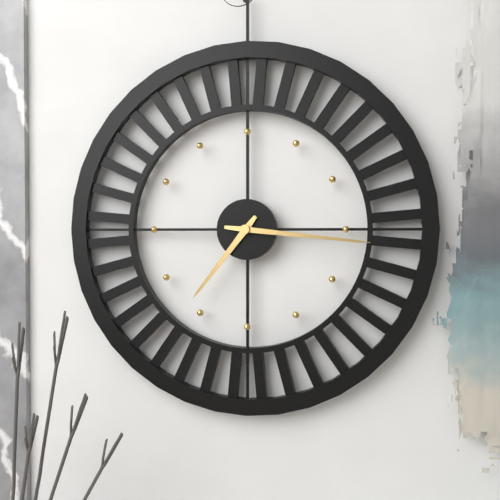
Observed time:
h=7 m=16
